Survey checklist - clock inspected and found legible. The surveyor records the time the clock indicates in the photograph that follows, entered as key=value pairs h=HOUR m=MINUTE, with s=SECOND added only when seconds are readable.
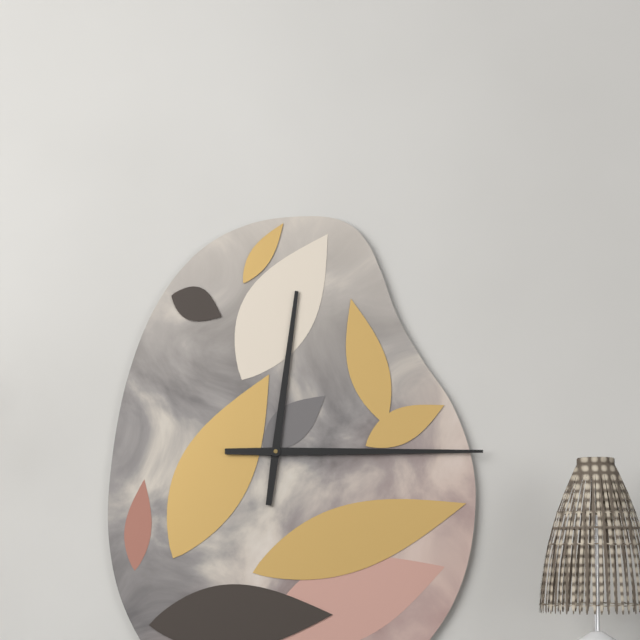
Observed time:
h=12 m=15
